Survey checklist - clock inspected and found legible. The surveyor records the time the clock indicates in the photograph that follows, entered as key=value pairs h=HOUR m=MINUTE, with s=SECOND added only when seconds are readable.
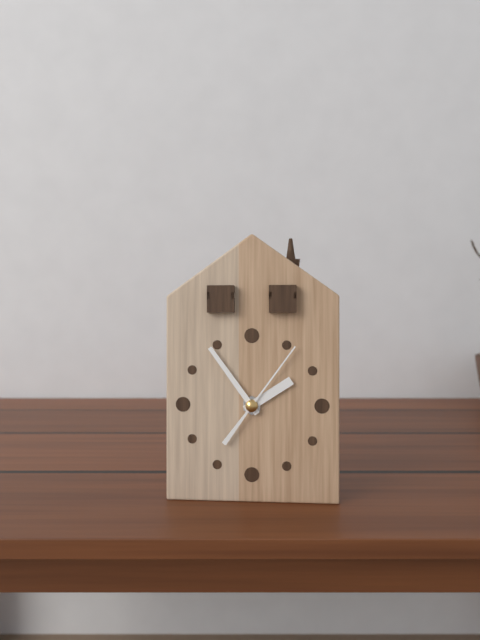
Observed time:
h=1 m=54 s=6
